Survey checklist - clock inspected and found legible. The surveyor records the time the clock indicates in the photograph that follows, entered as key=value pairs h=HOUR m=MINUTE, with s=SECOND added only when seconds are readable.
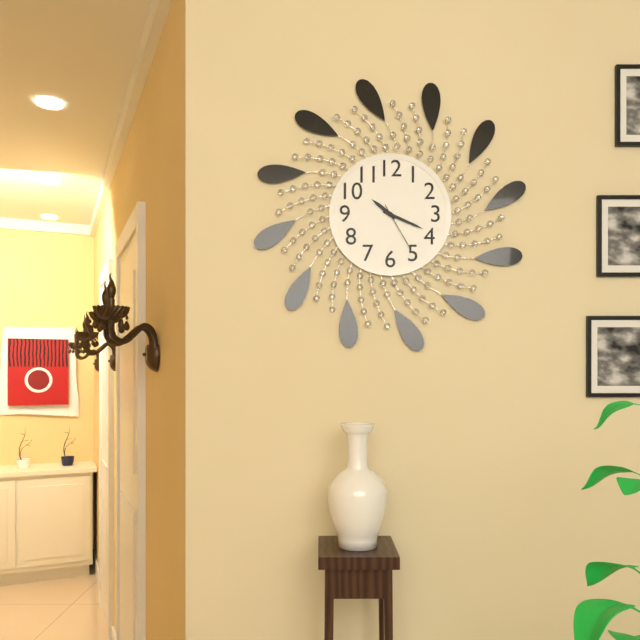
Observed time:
h=10 m=19 s=25
